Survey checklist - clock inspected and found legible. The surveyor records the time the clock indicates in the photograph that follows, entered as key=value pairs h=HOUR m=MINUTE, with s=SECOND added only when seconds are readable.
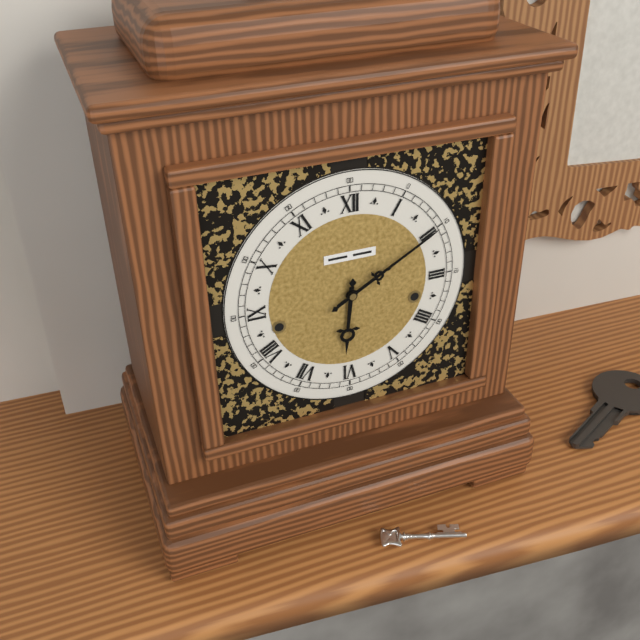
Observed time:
h=6 m=10
